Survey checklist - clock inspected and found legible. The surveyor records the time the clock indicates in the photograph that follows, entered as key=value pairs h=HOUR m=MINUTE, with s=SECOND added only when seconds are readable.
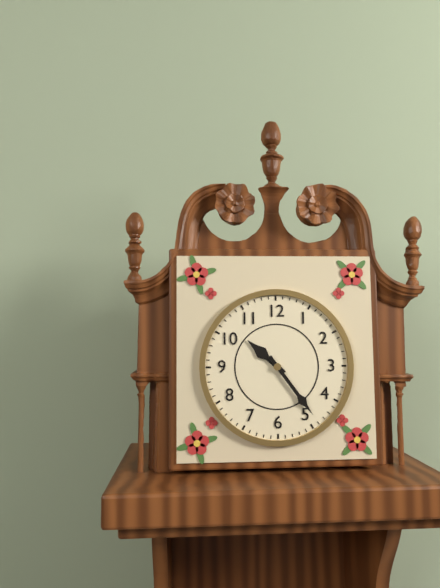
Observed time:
h=10 m=24
